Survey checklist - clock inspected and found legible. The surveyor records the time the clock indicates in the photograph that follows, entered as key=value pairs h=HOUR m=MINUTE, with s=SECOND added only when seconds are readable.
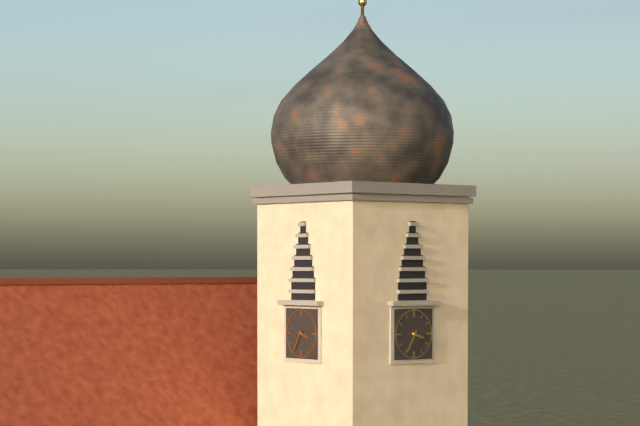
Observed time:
h=3 m=35
